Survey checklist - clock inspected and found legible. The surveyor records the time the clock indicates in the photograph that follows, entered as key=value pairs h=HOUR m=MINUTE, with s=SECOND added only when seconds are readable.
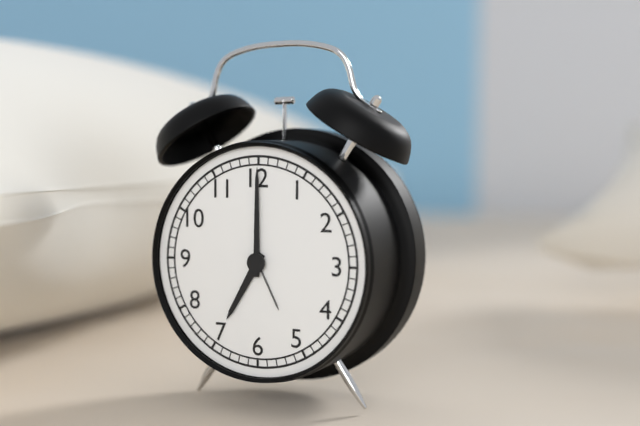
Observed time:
h=7 m=0
